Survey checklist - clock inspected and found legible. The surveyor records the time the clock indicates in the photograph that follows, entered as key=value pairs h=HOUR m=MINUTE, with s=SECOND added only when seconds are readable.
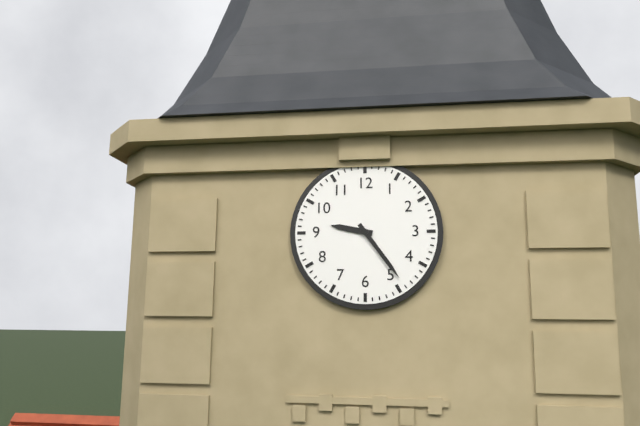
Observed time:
h=9 m=24
